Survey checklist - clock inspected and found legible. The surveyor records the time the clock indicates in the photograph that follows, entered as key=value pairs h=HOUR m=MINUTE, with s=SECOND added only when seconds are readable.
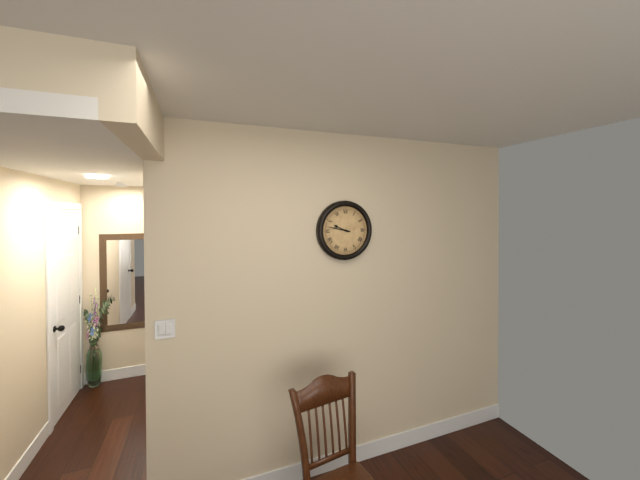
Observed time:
h=9 m=47
